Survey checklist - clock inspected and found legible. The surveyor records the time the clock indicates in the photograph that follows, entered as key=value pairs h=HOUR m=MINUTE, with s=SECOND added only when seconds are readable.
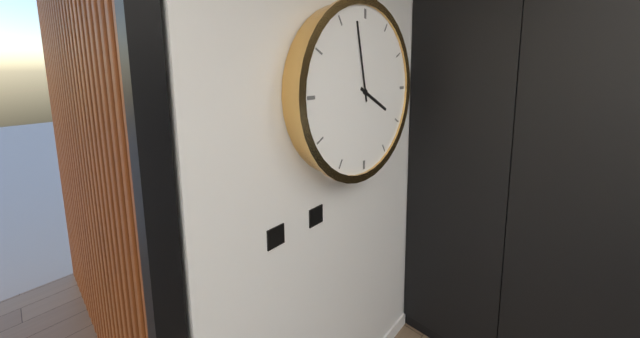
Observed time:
h=3 m=58
